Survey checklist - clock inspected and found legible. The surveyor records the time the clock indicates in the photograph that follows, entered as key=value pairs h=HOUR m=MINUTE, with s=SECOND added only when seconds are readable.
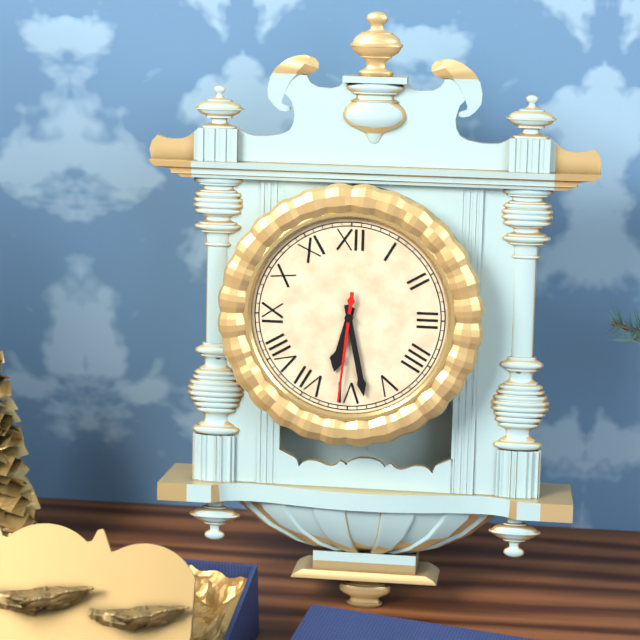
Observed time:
h=6 m=28 s=31
